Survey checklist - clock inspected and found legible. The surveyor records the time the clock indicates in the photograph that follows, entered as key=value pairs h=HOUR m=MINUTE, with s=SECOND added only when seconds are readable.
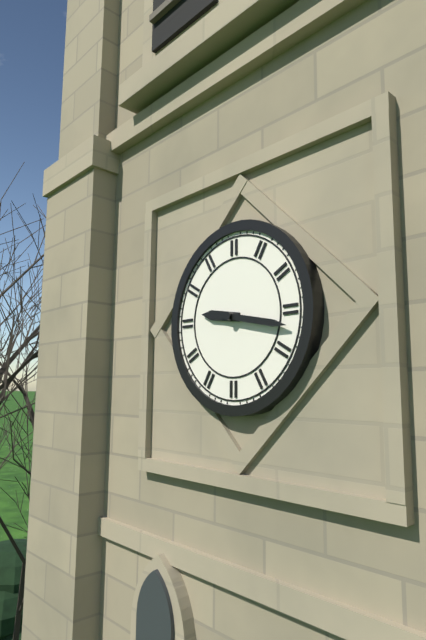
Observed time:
h=9 m=17
